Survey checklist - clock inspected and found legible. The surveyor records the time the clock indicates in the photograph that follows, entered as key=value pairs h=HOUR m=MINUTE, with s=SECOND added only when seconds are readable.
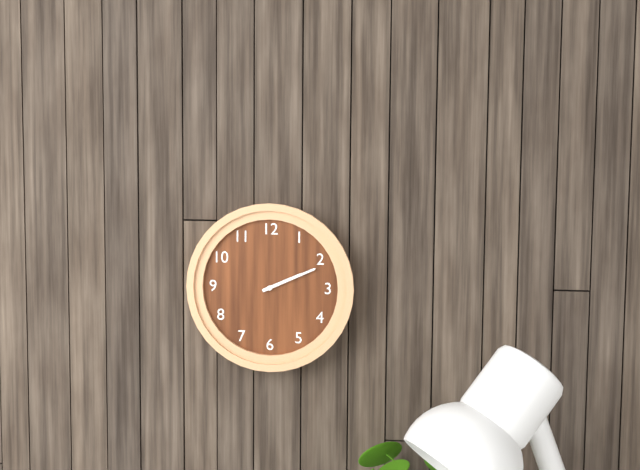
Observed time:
h=2 m=11
